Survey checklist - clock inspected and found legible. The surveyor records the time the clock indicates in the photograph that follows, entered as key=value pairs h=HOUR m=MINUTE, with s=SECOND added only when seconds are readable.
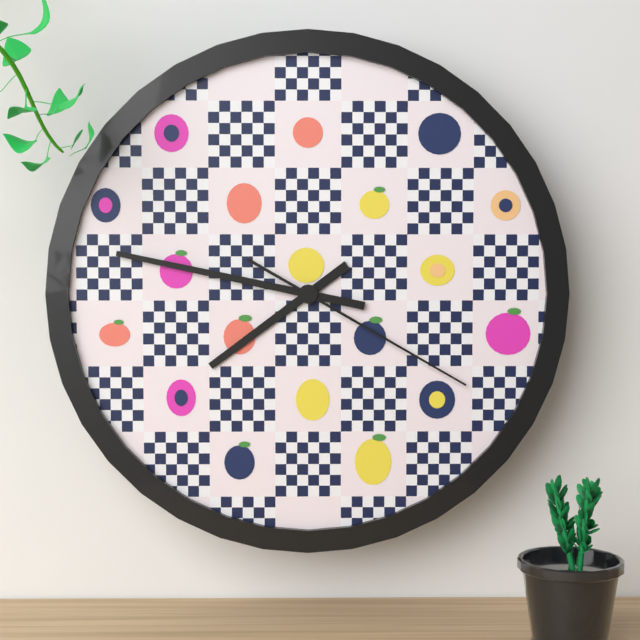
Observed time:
h=7 m=47 s=20
